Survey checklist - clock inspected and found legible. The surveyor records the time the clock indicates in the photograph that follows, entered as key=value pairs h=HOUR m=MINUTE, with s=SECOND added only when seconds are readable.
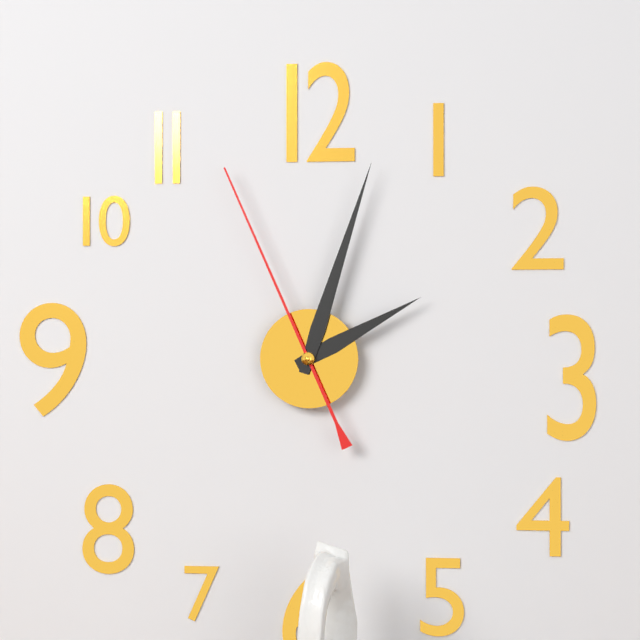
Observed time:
h=2 m=3 s=56
